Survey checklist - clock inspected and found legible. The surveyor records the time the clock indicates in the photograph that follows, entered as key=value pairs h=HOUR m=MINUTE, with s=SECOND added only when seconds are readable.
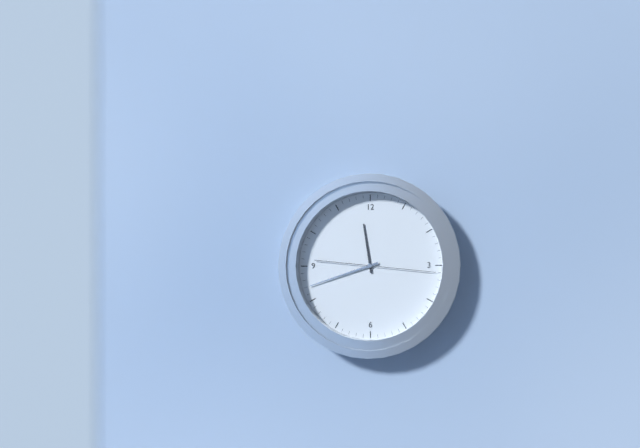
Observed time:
h=11 m=42 s=16
